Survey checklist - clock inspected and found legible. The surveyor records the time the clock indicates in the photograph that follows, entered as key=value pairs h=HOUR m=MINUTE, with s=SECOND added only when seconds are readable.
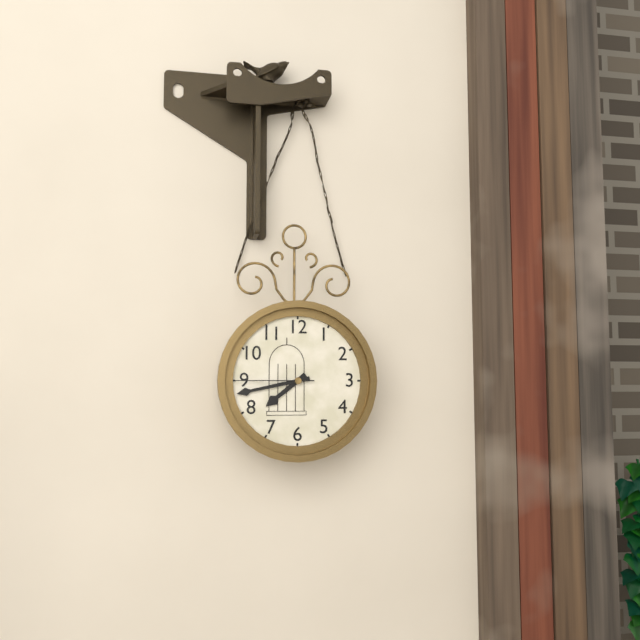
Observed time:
h=7 m=43 s=45
